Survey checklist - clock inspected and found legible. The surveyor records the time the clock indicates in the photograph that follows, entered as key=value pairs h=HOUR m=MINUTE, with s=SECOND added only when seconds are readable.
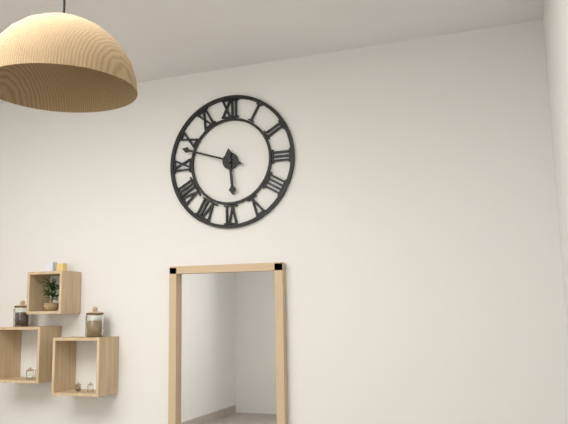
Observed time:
h=5 m=48
